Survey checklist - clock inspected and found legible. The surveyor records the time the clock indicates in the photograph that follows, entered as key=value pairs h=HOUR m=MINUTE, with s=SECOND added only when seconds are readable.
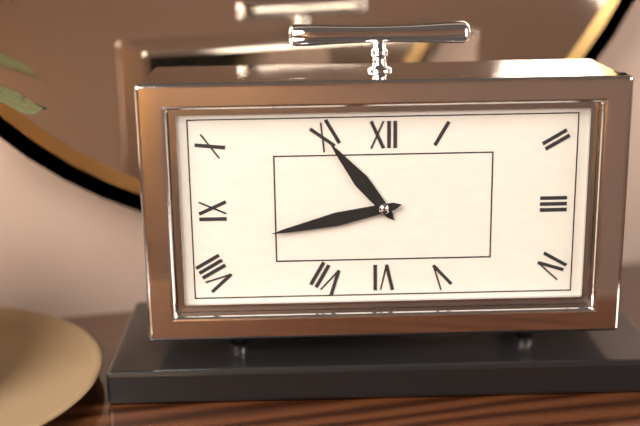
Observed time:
h=10 m=43
